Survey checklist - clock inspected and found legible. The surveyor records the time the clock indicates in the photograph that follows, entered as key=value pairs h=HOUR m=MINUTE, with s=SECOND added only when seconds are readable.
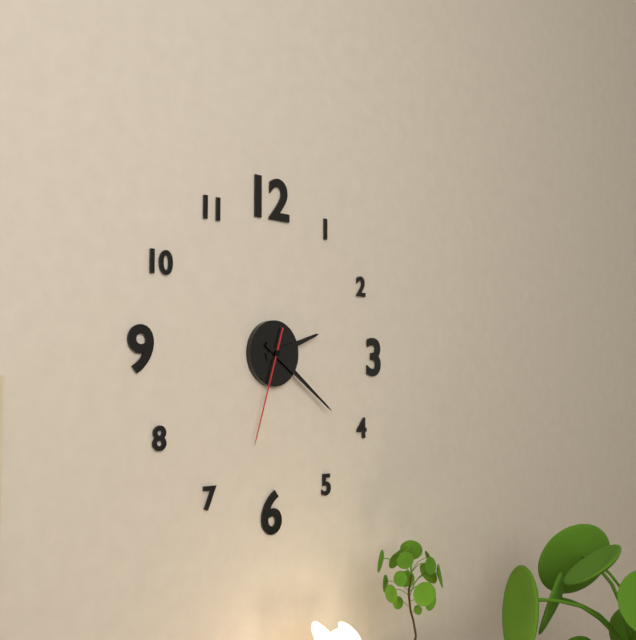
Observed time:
h=2 m=21 s=33
